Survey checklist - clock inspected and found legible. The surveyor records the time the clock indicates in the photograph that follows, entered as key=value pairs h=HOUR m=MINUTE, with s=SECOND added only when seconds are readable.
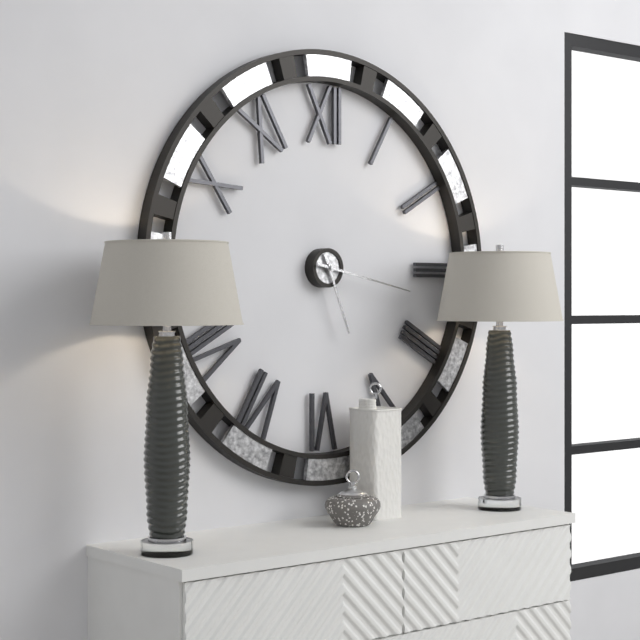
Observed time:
h=5 m=17
